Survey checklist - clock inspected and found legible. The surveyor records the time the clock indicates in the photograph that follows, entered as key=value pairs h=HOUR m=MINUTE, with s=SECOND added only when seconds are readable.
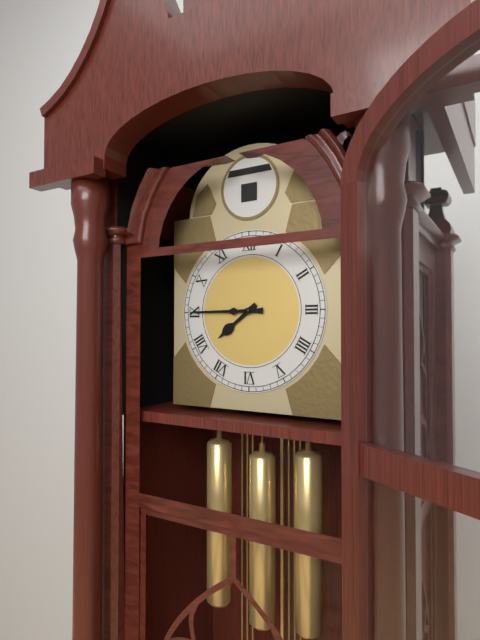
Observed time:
h=7 m=45
